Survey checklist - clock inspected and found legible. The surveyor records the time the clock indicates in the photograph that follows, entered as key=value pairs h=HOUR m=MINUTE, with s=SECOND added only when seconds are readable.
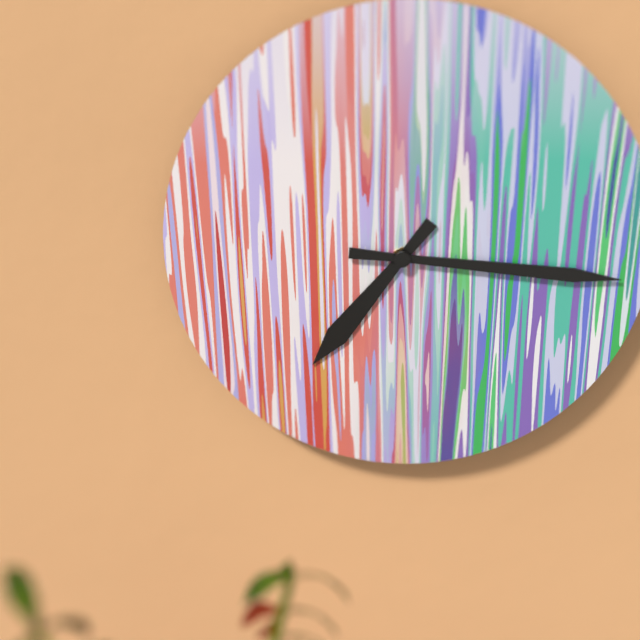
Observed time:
h=7 m=16
